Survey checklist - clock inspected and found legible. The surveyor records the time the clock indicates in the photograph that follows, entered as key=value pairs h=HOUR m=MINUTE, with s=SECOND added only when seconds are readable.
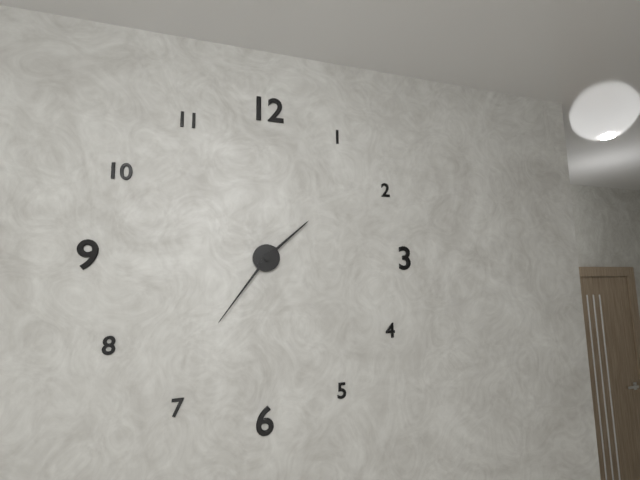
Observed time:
h=1 m=36
